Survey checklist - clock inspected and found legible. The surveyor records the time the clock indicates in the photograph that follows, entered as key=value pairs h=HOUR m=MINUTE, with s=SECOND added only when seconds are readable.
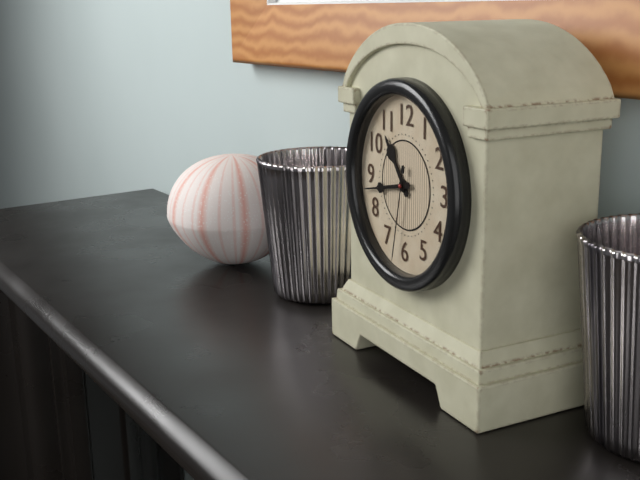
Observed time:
h=10 m=43 s=32
